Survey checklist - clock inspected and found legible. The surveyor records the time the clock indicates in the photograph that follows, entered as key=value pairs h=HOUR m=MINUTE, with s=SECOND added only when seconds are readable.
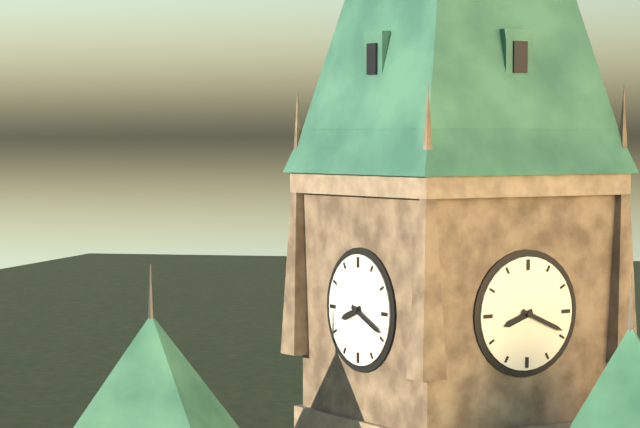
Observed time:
h=8 m=19
